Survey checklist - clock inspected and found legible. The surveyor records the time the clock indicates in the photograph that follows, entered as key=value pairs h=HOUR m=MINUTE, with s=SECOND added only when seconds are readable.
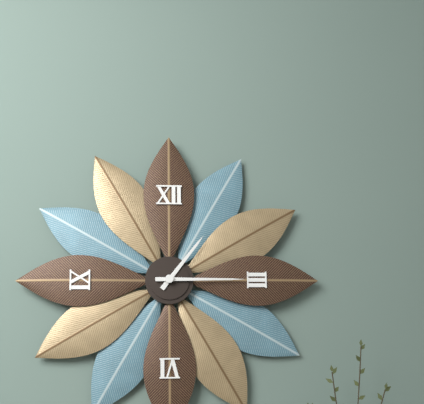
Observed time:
h=1 m=15
